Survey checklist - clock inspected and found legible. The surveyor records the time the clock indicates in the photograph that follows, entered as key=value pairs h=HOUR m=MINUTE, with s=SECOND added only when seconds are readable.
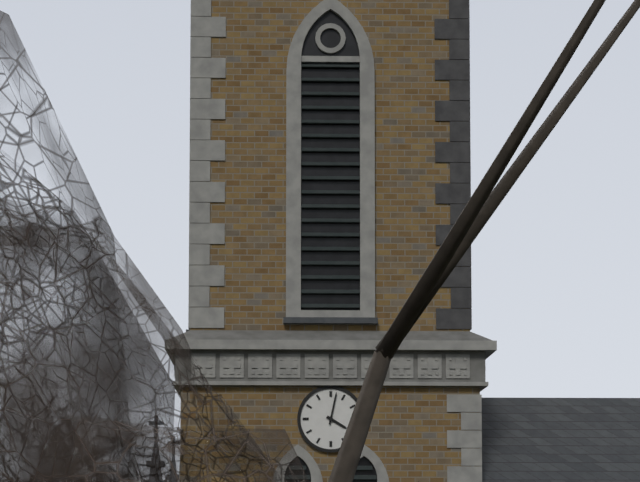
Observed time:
h=4 m=2
